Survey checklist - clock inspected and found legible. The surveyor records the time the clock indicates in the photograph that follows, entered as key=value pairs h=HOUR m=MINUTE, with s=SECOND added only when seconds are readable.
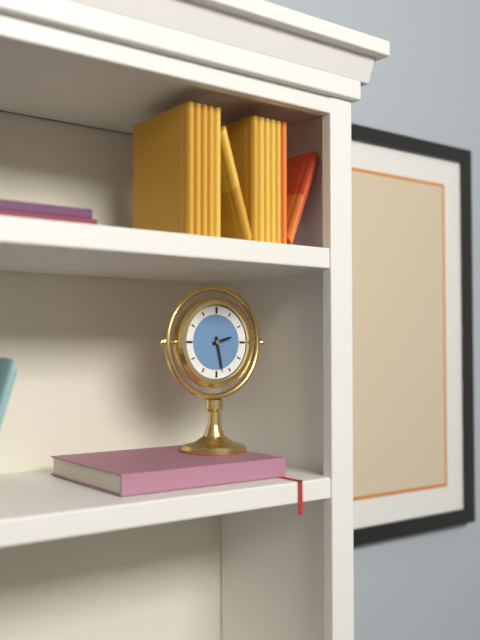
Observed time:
h=2 m=28
